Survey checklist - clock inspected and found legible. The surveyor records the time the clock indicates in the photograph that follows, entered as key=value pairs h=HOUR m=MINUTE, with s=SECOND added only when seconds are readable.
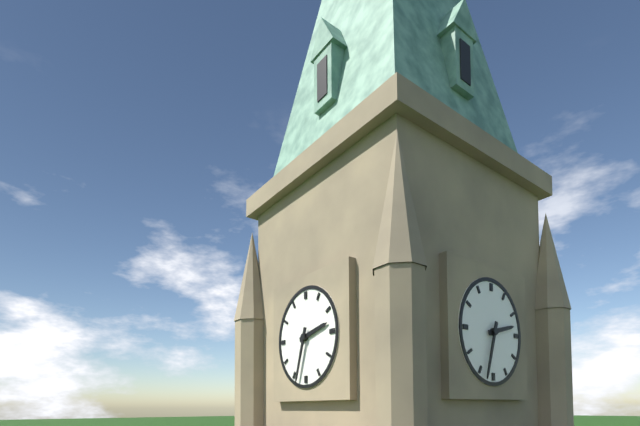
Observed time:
h=2 m=33
